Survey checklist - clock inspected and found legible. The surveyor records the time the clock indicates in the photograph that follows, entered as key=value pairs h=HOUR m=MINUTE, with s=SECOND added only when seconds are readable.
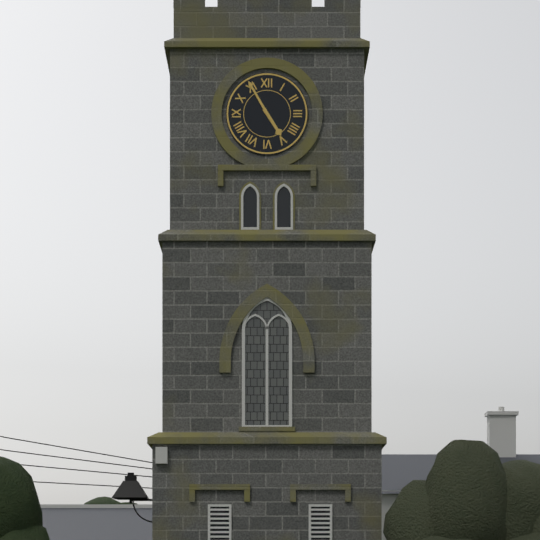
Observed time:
h=4 m=55
